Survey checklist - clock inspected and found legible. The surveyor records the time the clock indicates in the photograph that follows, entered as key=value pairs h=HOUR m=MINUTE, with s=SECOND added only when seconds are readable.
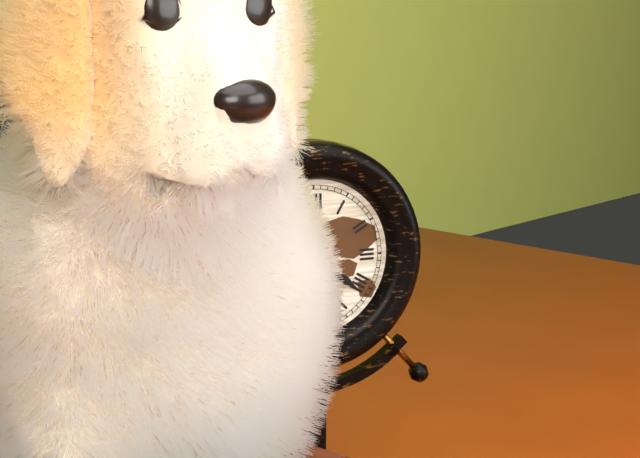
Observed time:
h=5 m=21
